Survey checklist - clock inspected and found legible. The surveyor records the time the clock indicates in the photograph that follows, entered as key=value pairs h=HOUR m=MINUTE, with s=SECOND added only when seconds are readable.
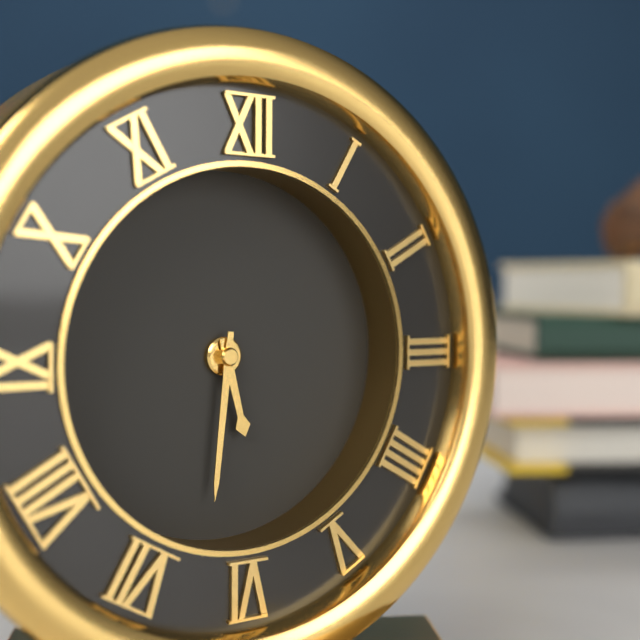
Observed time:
h=5 m=31
